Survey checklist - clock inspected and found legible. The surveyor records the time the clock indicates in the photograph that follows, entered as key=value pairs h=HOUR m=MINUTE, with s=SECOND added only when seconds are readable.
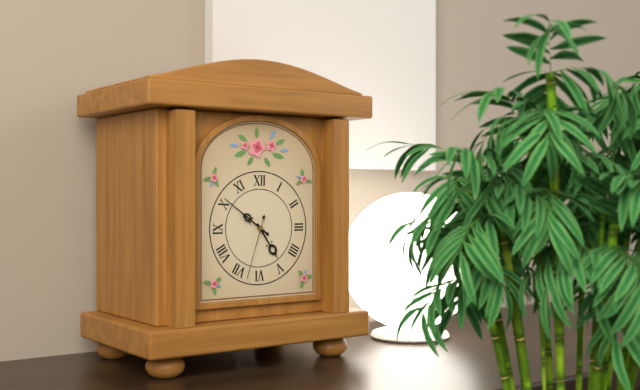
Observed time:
h=4 m=51 s=33
